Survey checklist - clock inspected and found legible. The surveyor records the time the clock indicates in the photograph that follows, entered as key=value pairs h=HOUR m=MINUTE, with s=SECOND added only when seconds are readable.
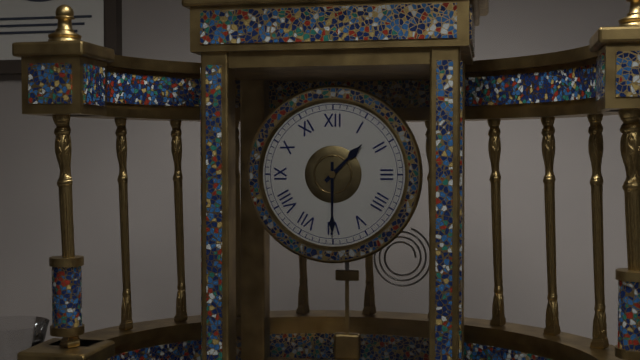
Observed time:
h=1 m=30
